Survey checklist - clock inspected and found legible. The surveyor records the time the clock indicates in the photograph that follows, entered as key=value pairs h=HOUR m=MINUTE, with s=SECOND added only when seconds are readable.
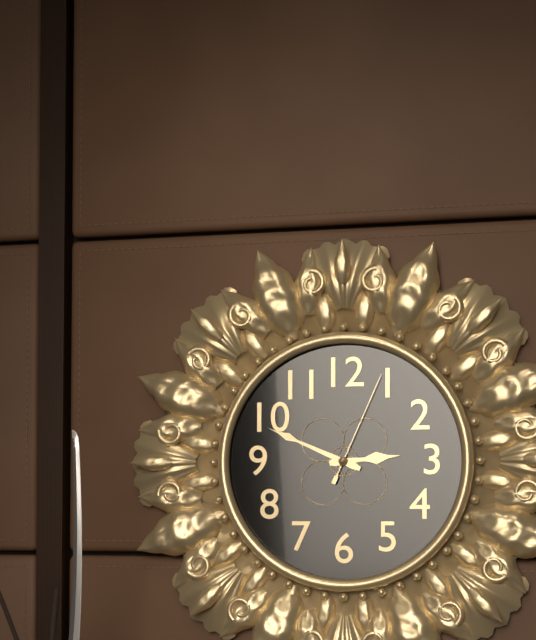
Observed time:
h=2 m=49 s=4
